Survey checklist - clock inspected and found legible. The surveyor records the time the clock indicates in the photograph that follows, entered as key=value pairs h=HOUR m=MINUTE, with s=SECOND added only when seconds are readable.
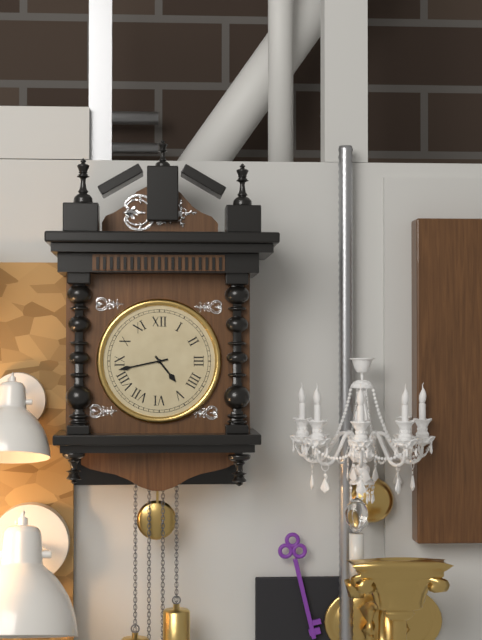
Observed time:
h=4 m=43
